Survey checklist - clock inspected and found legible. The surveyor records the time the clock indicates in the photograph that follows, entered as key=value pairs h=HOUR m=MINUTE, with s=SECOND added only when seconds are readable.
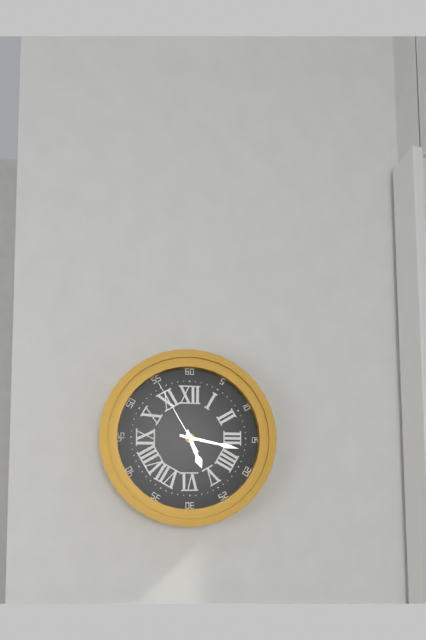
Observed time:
h=5 m=17 s=55
